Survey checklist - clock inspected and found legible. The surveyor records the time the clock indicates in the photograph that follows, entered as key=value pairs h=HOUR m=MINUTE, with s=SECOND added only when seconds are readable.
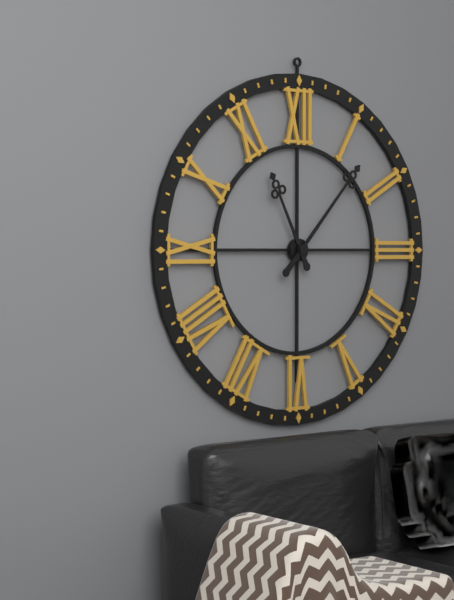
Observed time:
h=11 m=7
